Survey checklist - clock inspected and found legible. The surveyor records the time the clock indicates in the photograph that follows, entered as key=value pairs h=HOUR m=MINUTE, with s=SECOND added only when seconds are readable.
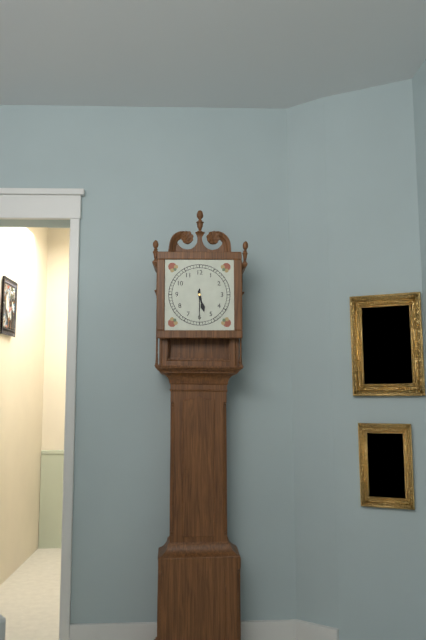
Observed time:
h=5 m=30
